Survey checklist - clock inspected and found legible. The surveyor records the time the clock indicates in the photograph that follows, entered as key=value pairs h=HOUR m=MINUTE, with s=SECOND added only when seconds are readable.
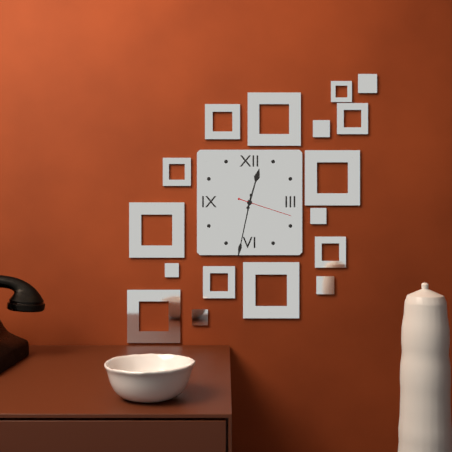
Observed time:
h=12 m=32 s=18
